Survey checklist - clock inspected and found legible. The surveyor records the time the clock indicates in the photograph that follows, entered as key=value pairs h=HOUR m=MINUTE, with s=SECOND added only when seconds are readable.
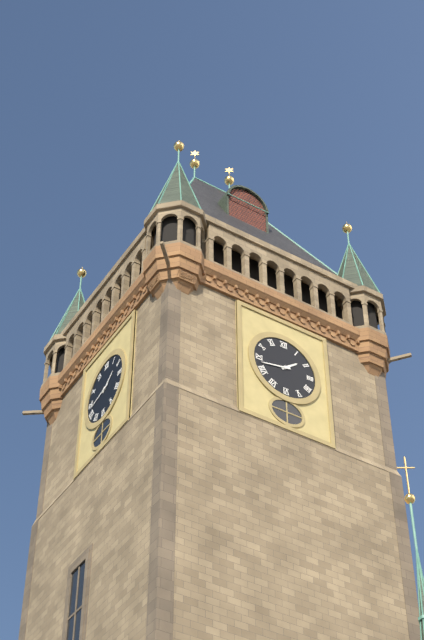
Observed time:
h=1 m=43
